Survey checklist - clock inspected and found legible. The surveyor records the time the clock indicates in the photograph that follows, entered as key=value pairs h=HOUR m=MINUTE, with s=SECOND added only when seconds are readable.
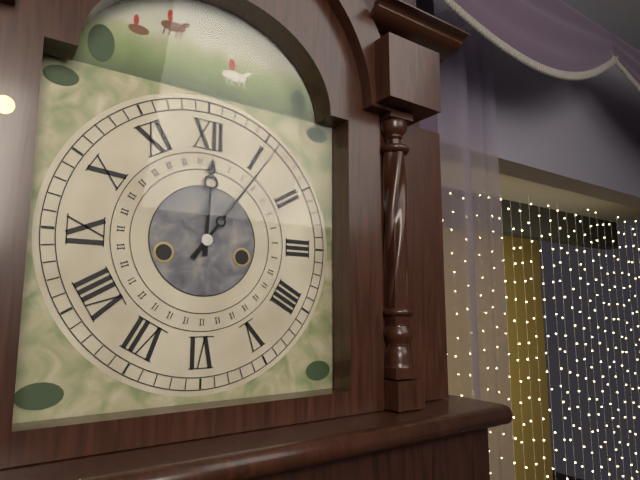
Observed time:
h=12 m=6
